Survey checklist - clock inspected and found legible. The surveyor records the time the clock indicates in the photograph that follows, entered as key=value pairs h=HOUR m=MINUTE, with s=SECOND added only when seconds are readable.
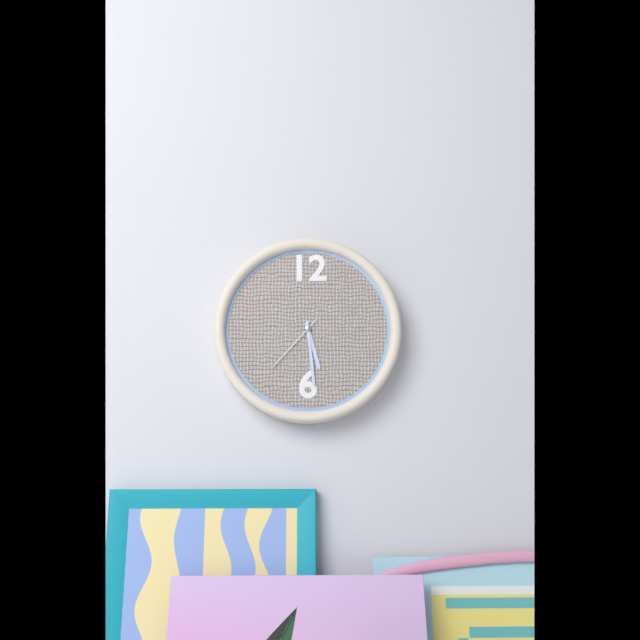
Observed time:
h=5 m=29 s=37
